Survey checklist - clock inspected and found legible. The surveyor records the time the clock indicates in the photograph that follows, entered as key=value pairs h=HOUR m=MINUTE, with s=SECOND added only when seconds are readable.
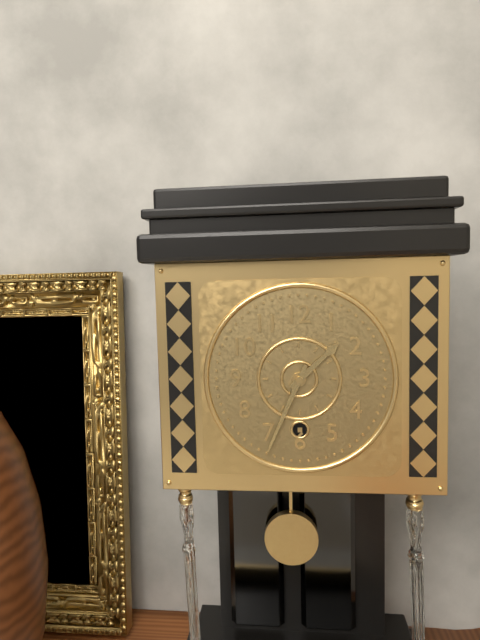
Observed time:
h=1 m=34
